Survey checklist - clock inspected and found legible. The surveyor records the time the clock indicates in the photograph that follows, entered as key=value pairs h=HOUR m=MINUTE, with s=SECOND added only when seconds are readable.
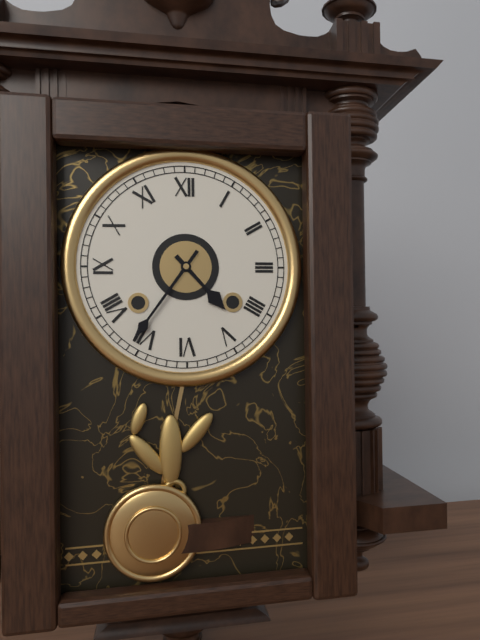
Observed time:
h=4 m=36
